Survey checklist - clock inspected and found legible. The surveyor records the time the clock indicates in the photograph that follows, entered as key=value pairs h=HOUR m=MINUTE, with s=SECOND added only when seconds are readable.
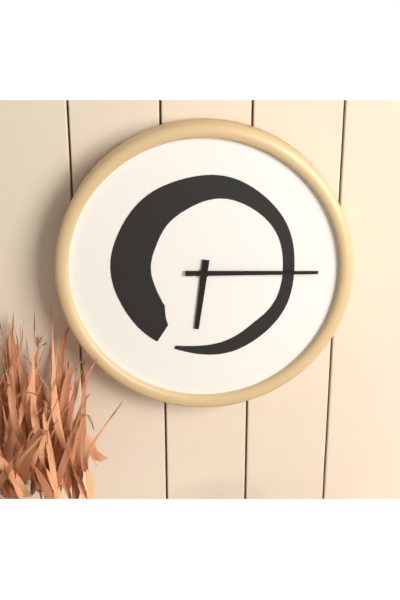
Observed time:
h=6 m=15
